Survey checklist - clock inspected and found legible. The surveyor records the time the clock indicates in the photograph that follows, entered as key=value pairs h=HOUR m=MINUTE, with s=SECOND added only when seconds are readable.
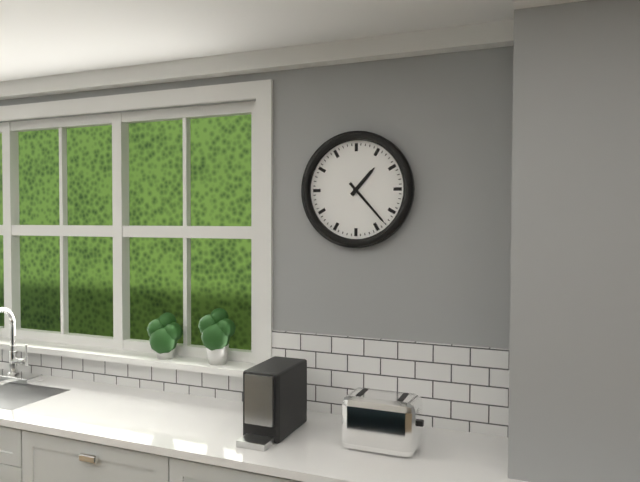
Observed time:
h=1 m=23
